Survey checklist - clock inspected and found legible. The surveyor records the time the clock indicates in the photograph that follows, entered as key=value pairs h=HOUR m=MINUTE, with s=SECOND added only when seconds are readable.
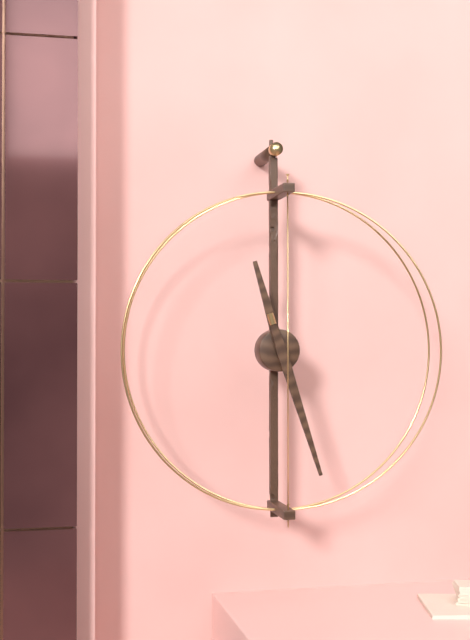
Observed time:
h=11 m=27
